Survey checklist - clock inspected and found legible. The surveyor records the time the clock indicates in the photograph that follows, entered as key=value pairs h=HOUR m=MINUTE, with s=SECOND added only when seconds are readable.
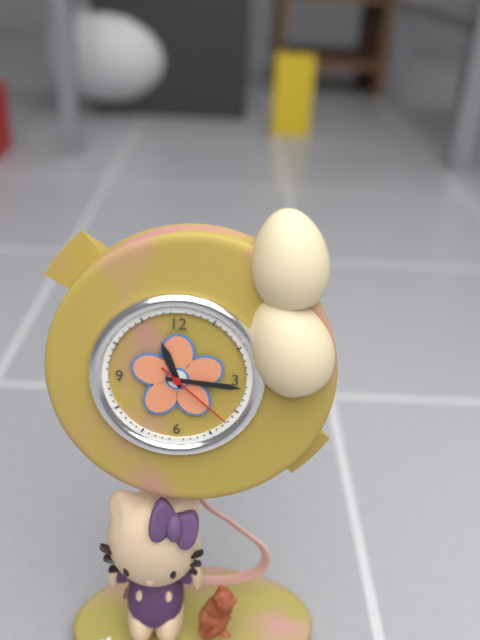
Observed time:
h=11 m=16 s=22
